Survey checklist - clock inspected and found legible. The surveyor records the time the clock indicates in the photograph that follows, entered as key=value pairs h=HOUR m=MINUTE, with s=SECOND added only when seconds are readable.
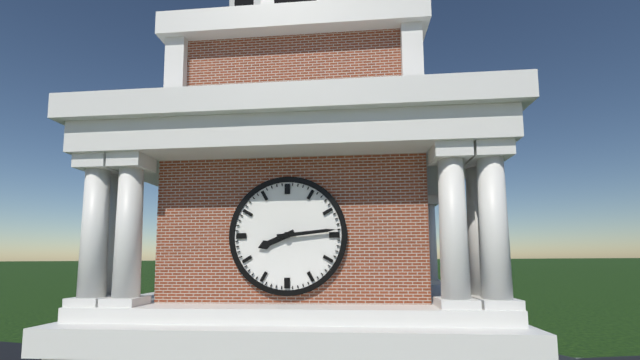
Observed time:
h=8 m=14
